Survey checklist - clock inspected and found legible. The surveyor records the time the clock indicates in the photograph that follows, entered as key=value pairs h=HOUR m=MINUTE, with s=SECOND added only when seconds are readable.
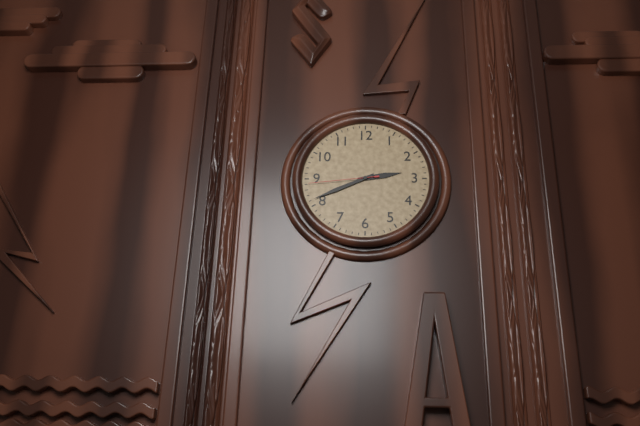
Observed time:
h=2 m=41 s=44
